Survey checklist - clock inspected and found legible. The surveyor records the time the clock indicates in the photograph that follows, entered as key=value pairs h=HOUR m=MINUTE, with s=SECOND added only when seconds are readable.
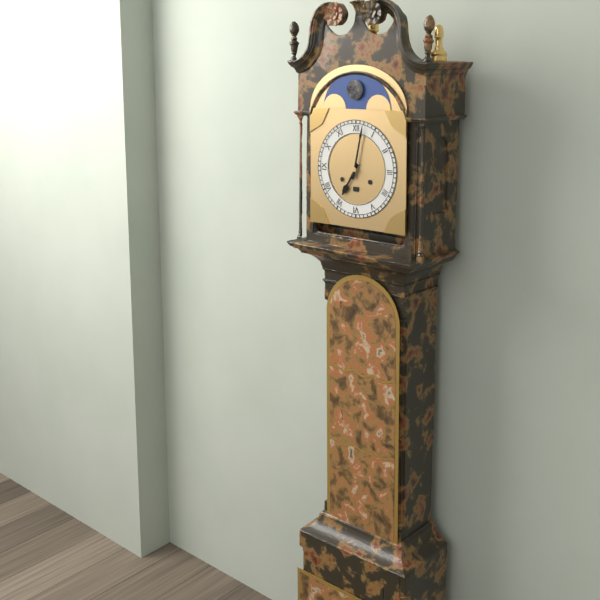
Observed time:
h=7 m=2
